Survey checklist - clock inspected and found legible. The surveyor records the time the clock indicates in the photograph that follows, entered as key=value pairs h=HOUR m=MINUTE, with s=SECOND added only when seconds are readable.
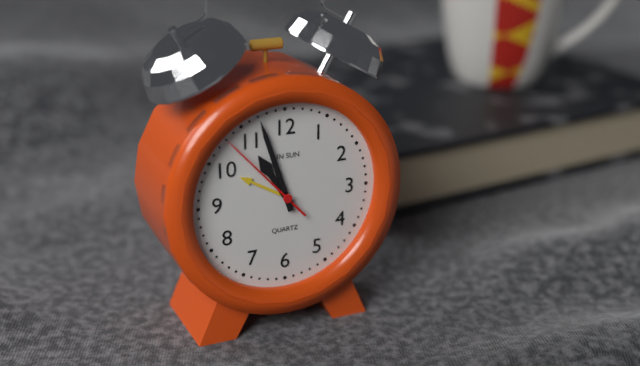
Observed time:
h=10 m=57 s=53
